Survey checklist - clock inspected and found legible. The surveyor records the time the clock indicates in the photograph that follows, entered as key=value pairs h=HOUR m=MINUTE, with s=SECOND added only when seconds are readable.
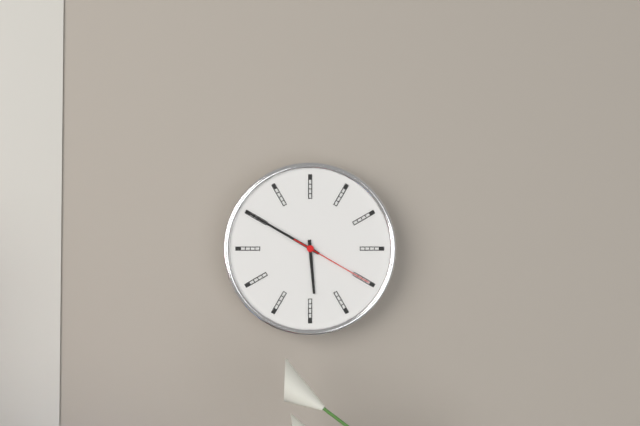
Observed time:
h=5 m=50 s=20
